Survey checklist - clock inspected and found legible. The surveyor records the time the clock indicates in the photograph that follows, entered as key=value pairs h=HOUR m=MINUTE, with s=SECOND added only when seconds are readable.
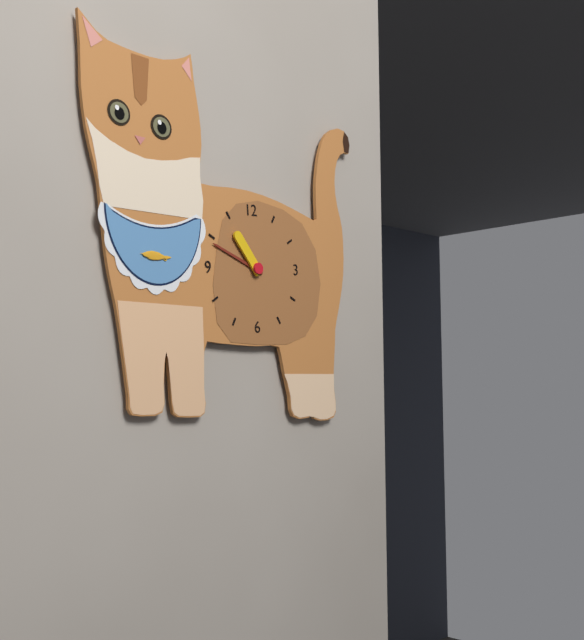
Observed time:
h=10 m=49
